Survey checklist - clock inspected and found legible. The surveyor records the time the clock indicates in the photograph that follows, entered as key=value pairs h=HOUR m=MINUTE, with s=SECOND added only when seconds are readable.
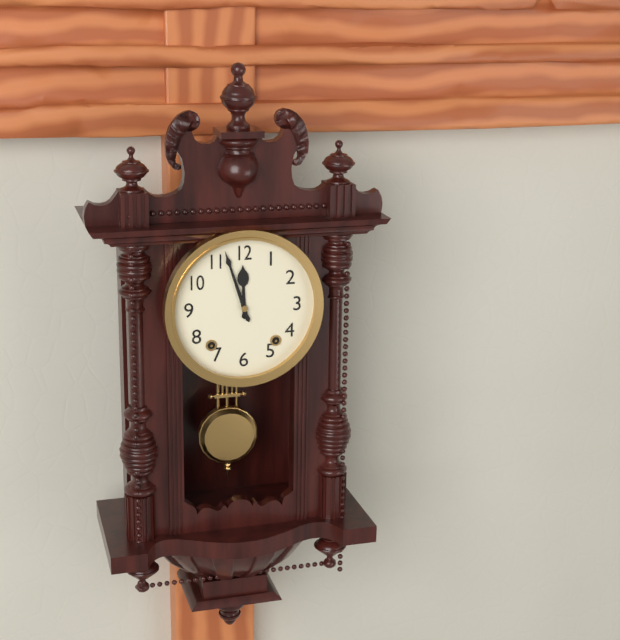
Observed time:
h=11 m=57
